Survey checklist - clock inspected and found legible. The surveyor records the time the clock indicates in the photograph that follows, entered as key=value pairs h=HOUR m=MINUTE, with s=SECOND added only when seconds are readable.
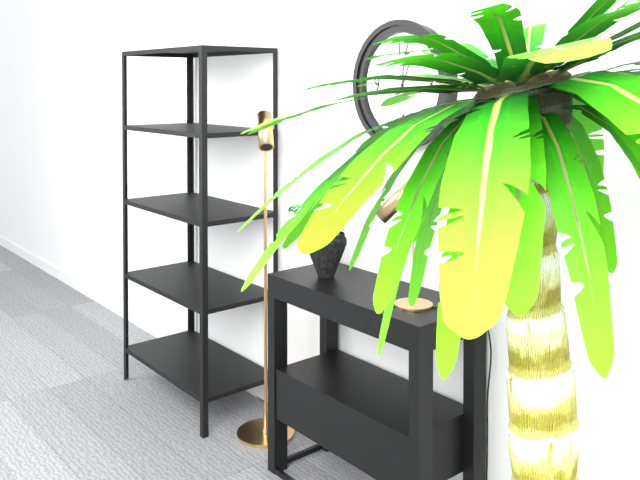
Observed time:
h=12 m=4
